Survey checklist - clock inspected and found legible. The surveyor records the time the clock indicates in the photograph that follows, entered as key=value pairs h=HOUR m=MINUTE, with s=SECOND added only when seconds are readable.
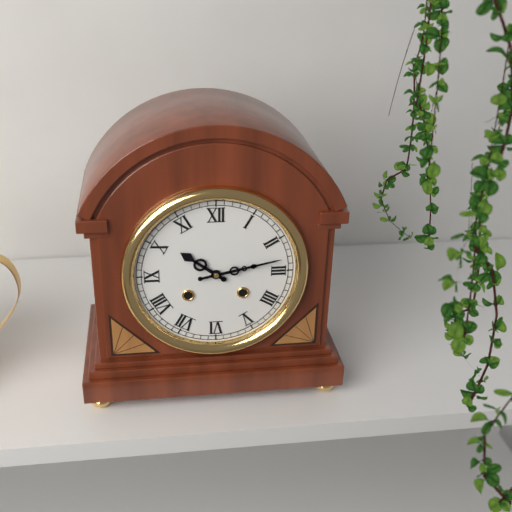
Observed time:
h=10 m=13
